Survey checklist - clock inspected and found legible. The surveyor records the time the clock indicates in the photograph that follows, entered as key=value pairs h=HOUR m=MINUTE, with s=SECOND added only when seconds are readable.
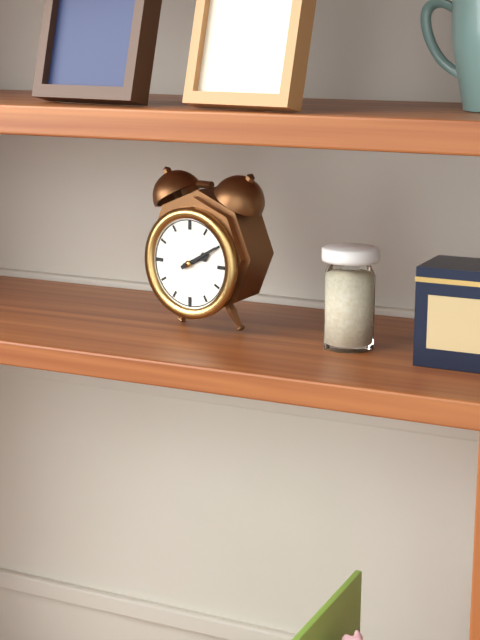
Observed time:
h=2 m=10
